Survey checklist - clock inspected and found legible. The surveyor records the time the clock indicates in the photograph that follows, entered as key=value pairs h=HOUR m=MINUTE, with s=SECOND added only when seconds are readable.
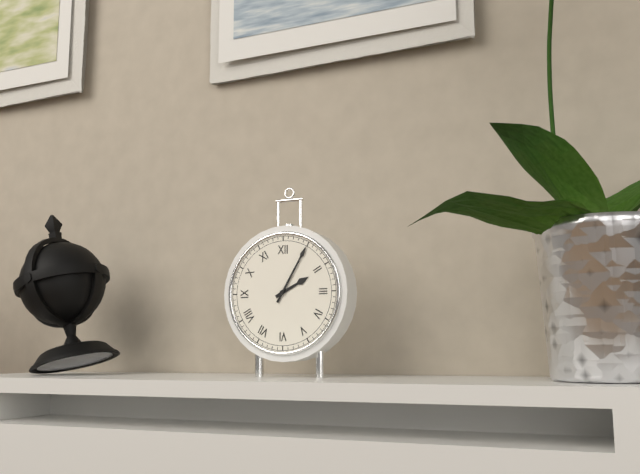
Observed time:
h=2 m=5
